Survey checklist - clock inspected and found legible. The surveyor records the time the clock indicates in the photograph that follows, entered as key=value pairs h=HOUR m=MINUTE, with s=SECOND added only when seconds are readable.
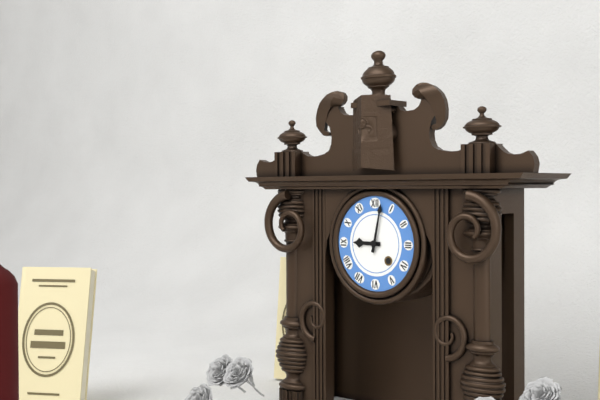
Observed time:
h=9 m=2
